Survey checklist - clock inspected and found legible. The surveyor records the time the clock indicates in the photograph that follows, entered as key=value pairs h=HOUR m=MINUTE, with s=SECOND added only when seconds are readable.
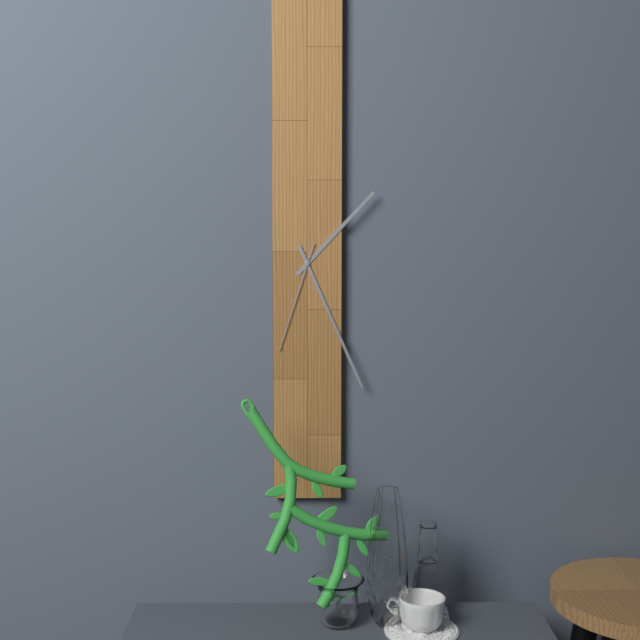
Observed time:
h=1 m=26 s=33
